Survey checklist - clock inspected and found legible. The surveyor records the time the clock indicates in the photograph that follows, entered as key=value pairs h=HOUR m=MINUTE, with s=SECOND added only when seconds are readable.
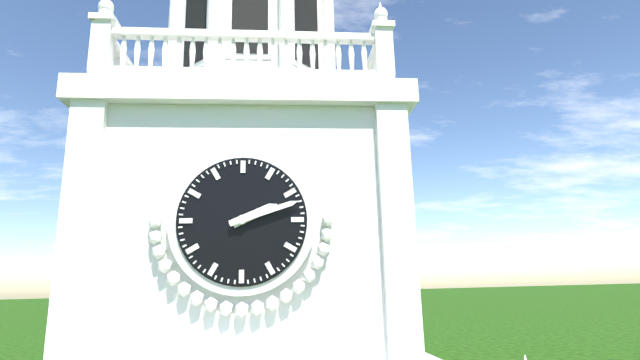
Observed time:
h=2 m=12
